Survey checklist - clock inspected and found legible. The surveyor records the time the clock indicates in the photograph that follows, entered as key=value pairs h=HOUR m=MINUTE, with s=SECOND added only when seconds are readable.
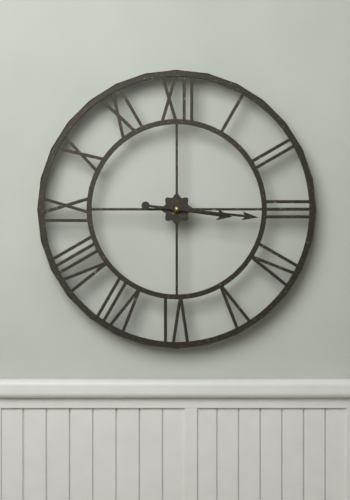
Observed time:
h=3 m=16
